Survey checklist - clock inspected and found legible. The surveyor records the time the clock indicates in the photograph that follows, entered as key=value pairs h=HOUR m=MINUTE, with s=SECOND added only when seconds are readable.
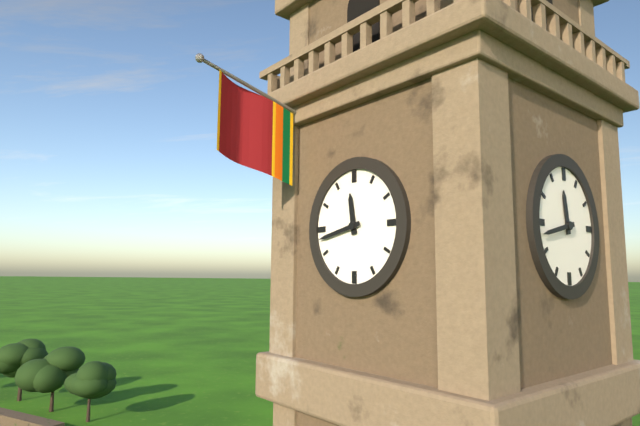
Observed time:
h=11 m=43
